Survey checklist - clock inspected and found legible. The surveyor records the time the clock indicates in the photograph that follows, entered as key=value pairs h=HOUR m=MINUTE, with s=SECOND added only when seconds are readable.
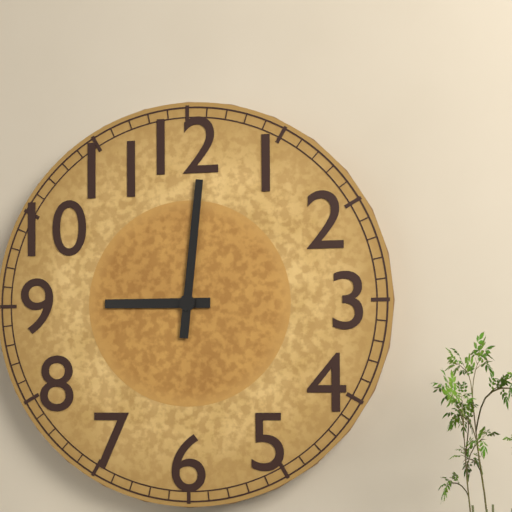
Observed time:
h=9 m=1
